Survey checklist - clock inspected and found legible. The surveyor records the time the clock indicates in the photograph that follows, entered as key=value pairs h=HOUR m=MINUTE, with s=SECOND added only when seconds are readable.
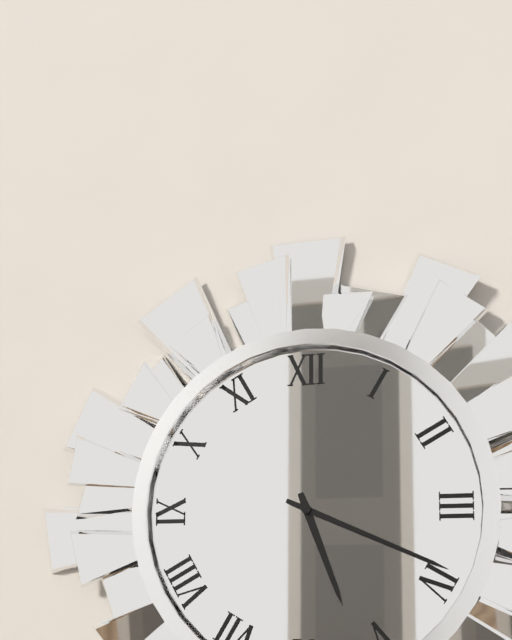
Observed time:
h=5 m=19
